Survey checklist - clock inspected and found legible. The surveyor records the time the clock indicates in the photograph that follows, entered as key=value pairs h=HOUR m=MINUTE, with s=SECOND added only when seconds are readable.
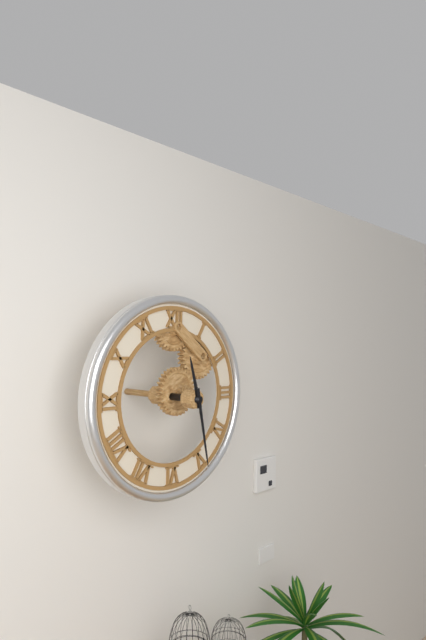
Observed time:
h=11 m=28
